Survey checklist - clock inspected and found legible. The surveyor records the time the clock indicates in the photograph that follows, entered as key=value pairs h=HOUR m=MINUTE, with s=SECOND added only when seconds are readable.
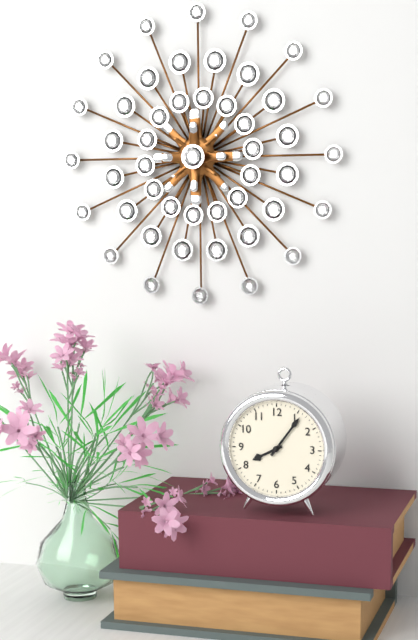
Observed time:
h=8 m=6
